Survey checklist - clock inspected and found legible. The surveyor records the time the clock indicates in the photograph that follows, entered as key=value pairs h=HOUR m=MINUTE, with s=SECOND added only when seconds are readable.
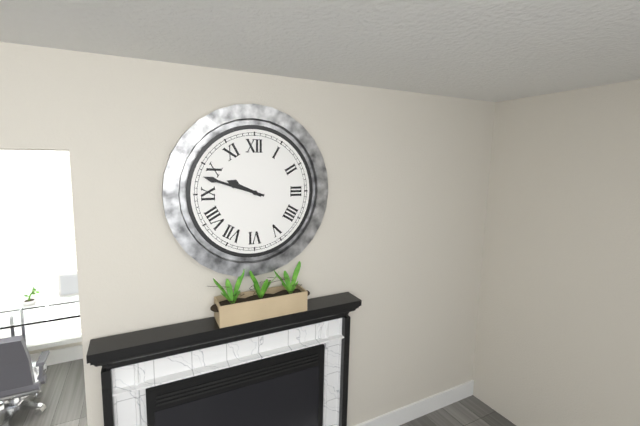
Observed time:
h=9 m=48
